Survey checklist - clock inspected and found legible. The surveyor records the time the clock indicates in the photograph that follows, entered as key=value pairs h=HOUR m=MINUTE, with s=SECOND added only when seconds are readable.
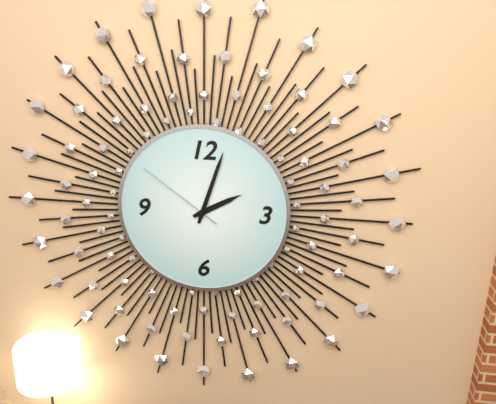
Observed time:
h=2 m=3 s=51
